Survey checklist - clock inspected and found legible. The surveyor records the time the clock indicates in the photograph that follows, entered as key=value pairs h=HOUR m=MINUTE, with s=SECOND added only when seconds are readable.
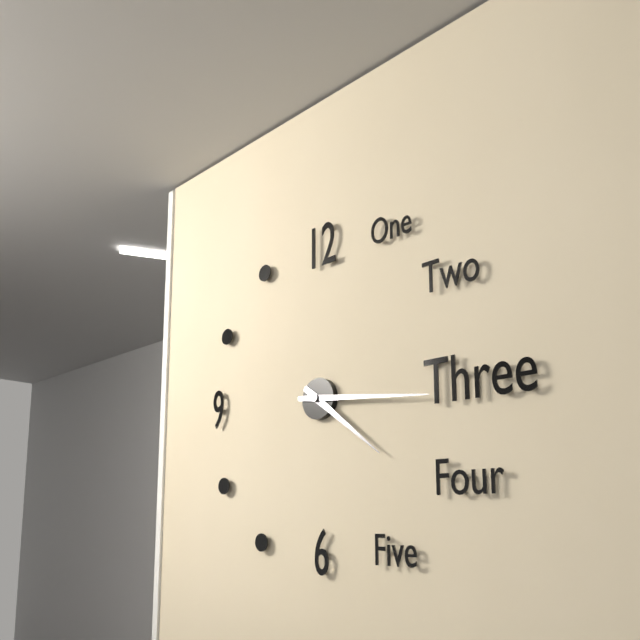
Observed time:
h=4 m=16
